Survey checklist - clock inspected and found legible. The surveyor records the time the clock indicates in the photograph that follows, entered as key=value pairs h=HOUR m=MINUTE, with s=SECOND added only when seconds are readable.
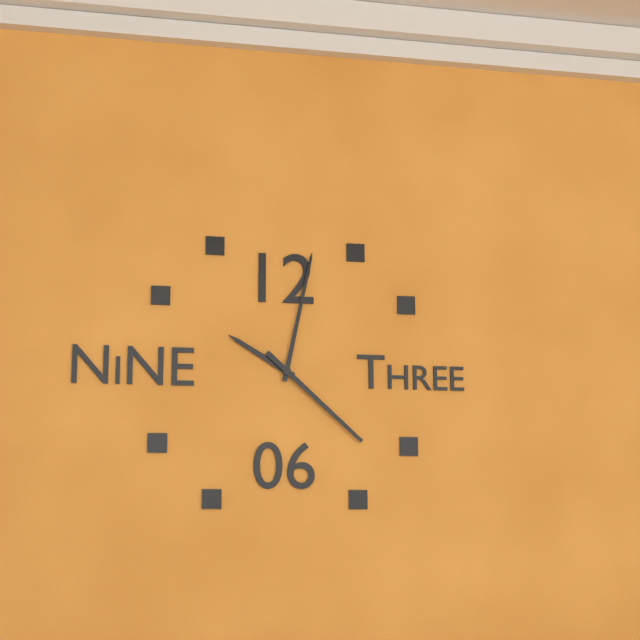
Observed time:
h=10 m=2 s=22
